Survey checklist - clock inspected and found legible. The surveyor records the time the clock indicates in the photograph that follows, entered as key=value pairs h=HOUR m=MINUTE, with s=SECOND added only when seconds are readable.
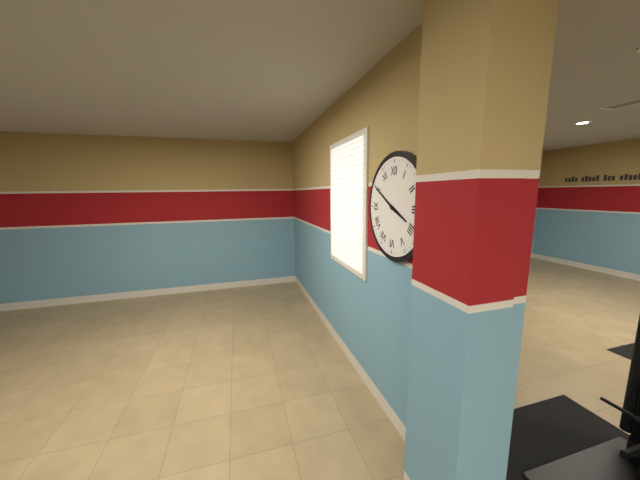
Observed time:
h=3 m=50
